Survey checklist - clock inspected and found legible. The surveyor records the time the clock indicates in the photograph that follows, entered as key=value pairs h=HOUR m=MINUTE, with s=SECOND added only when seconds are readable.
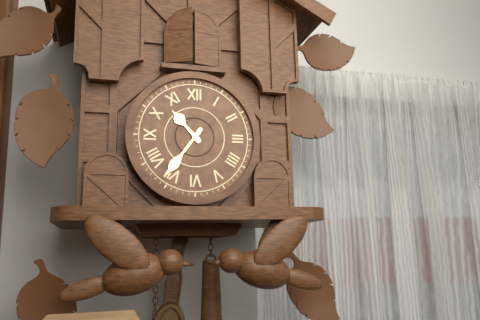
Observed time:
h=10 m=36
